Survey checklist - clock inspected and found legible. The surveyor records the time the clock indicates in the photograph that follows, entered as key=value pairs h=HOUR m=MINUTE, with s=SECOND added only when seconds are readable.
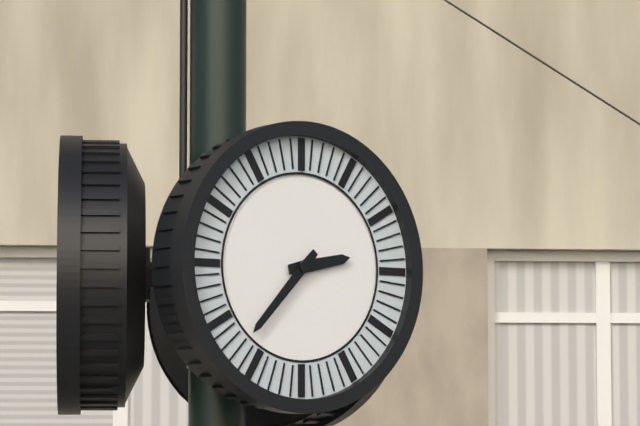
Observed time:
h=2 m=37
